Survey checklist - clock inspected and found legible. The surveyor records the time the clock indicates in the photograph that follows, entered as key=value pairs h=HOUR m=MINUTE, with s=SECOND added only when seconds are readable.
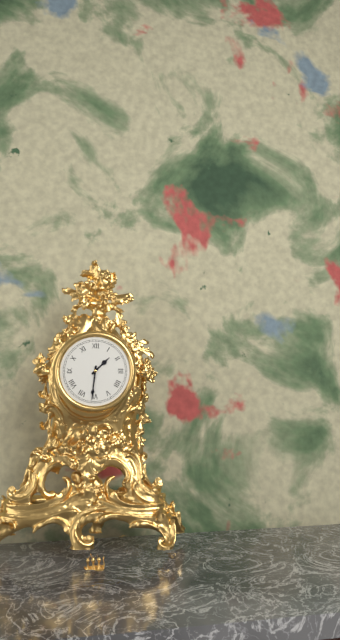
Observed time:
h=1 m=31
